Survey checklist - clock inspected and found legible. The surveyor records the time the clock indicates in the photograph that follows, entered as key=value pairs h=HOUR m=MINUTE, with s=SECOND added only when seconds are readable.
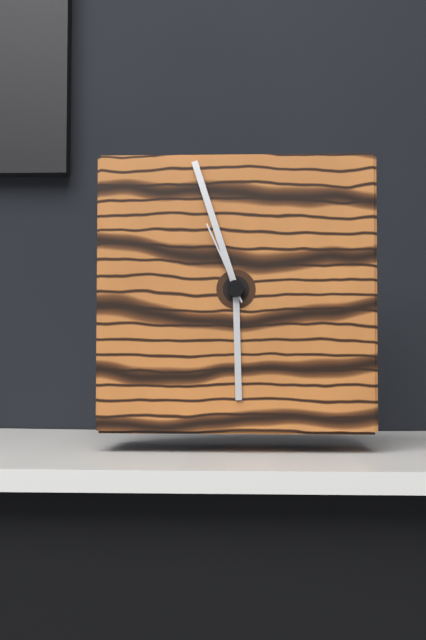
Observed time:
h=5 m=57 s=56
